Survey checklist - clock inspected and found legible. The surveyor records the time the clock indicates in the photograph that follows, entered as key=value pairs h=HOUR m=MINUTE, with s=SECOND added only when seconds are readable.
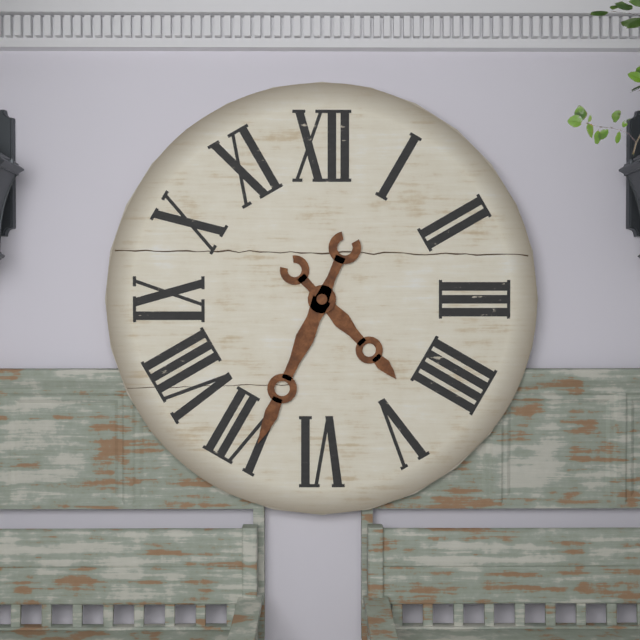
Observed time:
h=4 m=34
